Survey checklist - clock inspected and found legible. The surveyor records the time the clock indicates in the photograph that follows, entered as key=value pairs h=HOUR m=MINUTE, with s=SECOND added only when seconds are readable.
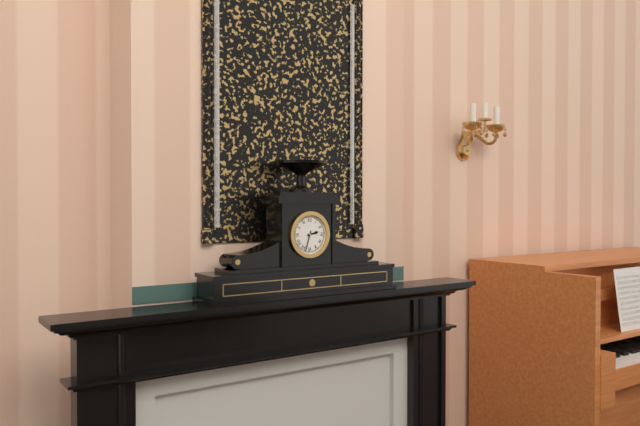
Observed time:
h=2 m=33
